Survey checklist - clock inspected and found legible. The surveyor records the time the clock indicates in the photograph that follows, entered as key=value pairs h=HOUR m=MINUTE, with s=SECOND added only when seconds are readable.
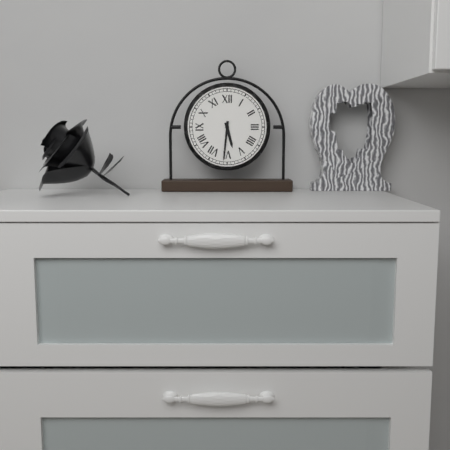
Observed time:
h=5 m=31
